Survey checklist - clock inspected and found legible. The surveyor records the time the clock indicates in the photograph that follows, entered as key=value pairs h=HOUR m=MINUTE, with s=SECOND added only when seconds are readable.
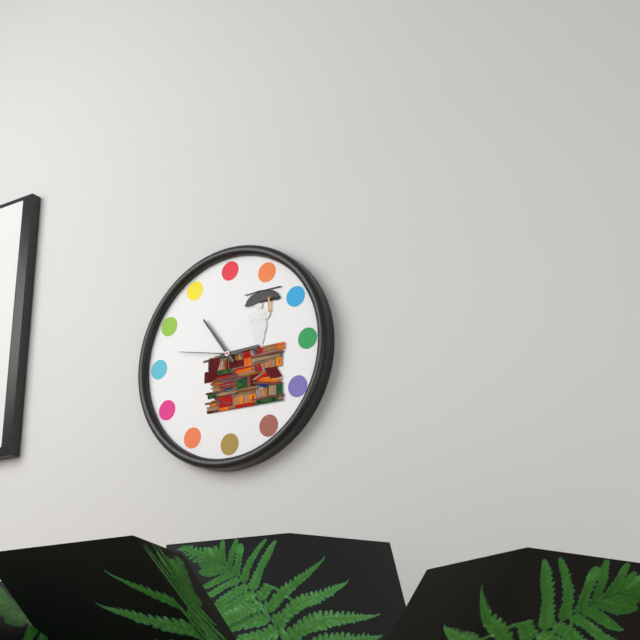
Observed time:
h=2 m=54 s=47
